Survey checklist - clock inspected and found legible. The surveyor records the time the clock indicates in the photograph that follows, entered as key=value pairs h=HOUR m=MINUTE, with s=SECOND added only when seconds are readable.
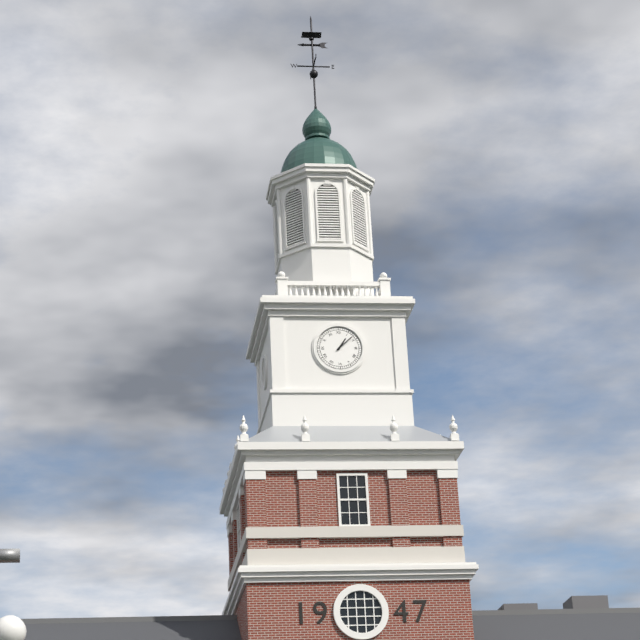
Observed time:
h=1 m=8
